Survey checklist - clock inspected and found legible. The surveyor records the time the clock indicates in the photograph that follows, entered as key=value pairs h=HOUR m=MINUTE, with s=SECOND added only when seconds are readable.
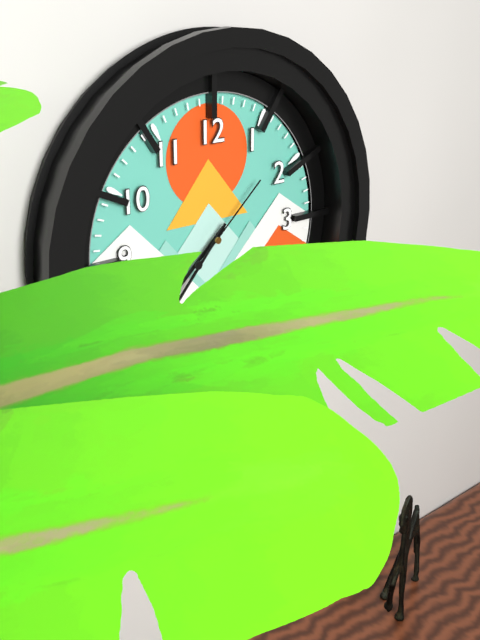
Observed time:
h=7 m=37 s=8
